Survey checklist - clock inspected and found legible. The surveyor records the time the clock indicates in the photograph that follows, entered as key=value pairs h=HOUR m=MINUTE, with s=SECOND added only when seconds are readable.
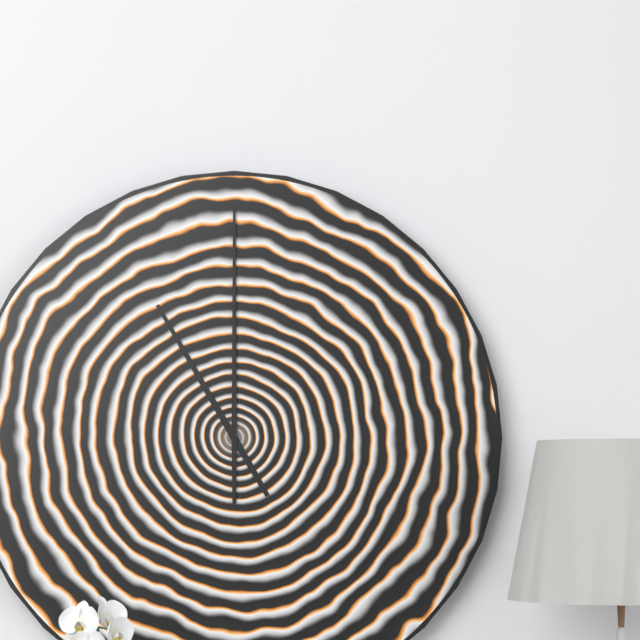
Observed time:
h=11 m=0
